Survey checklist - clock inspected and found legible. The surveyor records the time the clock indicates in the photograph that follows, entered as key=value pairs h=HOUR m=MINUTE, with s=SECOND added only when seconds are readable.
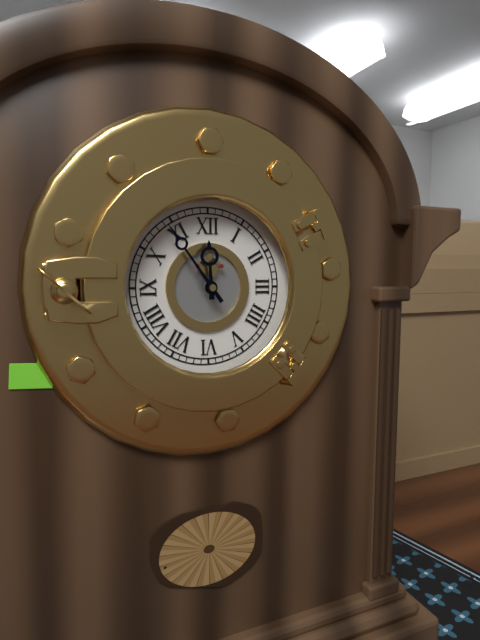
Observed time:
h=11 m=54
